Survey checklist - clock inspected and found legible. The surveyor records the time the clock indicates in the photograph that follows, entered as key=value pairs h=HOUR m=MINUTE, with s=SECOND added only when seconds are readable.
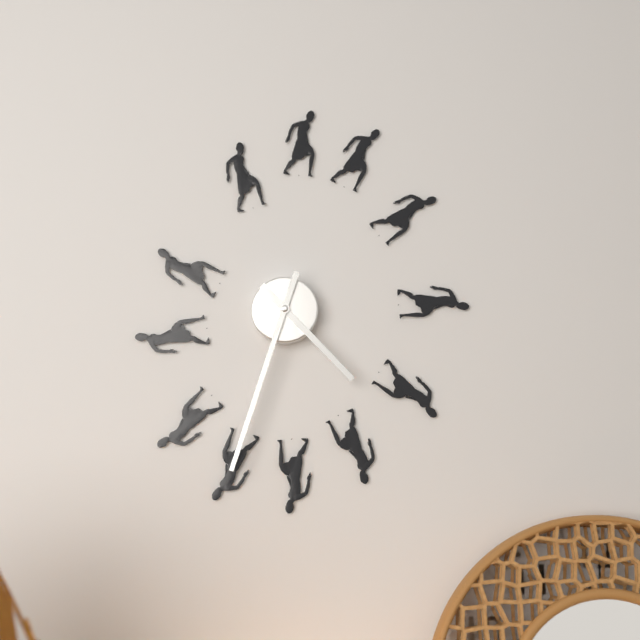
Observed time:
h=4 m=33
